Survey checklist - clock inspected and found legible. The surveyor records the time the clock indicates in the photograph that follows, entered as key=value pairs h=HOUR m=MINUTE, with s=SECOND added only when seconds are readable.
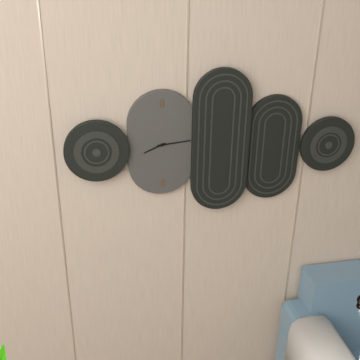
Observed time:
h=8 m=14
